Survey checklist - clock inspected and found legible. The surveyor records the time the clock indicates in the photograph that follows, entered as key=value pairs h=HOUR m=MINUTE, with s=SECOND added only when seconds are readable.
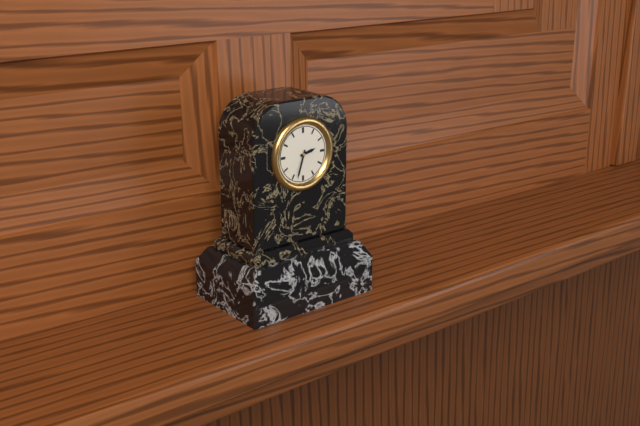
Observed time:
h=2 m=33
